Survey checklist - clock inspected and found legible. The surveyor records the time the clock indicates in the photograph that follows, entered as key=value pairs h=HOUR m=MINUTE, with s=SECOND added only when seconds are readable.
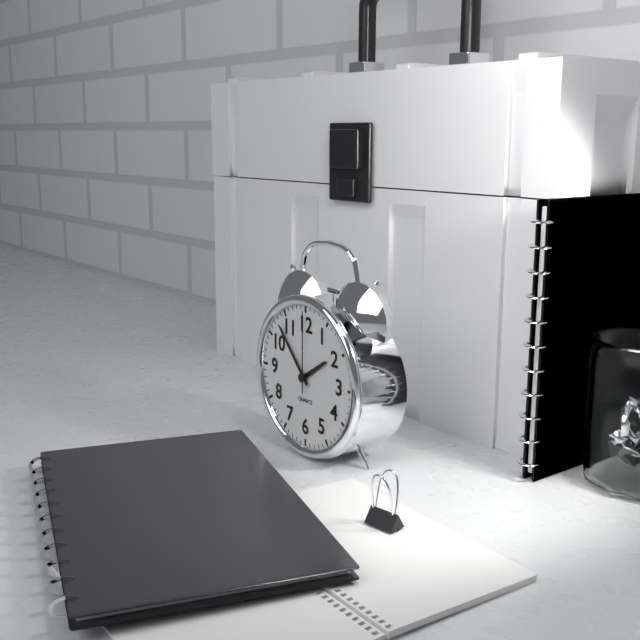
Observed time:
h=1 m=53 s=0
